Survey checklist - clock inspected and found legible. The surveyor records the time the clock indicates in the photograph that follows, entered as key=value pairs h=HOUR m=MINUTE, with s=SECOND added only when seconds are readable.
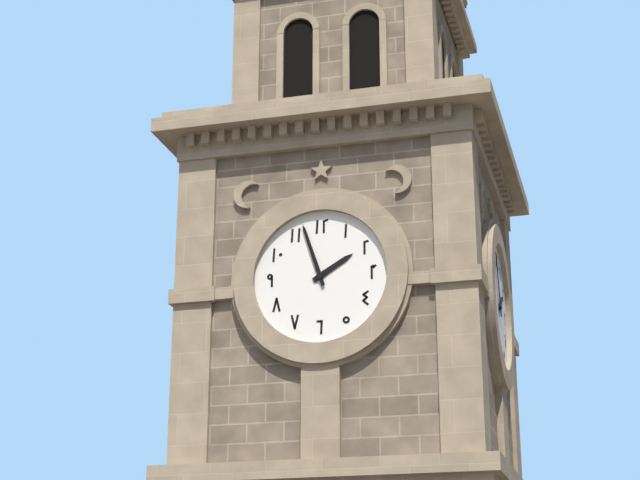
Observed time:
h=1 m=57
